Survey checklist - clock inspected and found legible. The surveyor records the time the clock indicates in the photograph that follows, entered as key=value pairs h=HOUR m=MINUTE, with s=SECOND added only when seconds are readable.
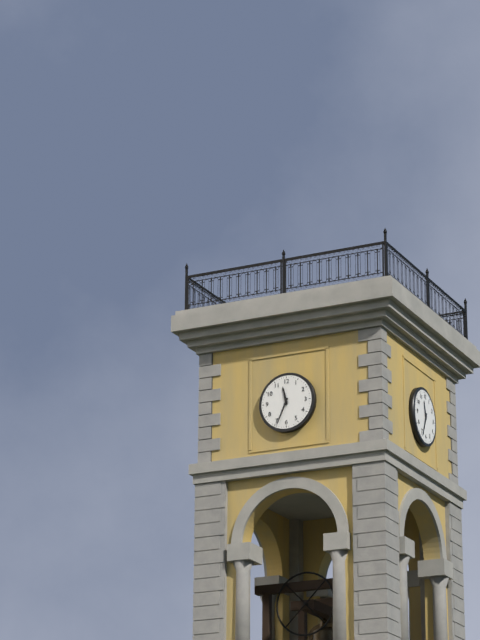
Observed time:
h=11 m=34
